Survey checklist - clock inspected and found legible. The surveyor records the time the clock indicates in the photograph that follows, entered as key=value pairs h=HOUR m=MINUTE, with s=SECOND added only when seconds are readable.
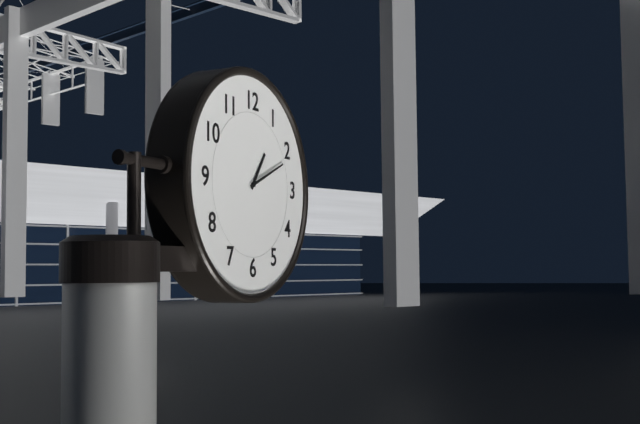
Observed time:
h=1 m=11
